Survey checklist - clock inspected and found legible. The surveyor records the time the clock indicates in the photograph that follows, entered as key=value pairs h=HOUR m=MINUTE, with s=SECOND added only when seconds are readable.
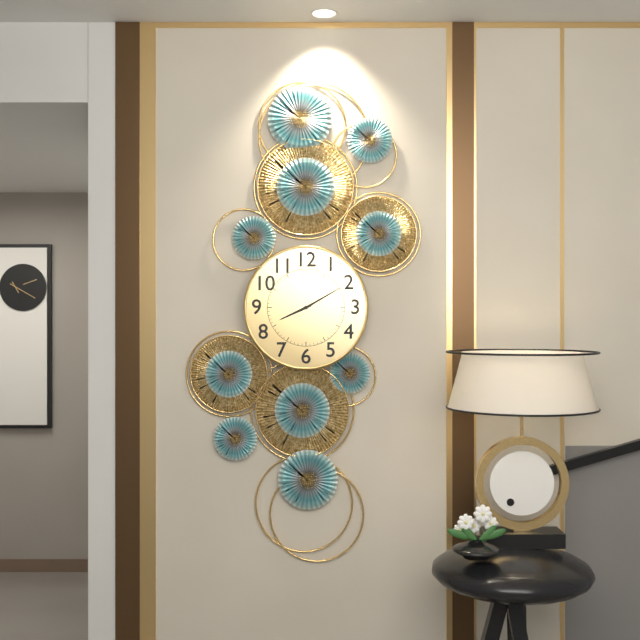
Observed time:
h=8 m=10
